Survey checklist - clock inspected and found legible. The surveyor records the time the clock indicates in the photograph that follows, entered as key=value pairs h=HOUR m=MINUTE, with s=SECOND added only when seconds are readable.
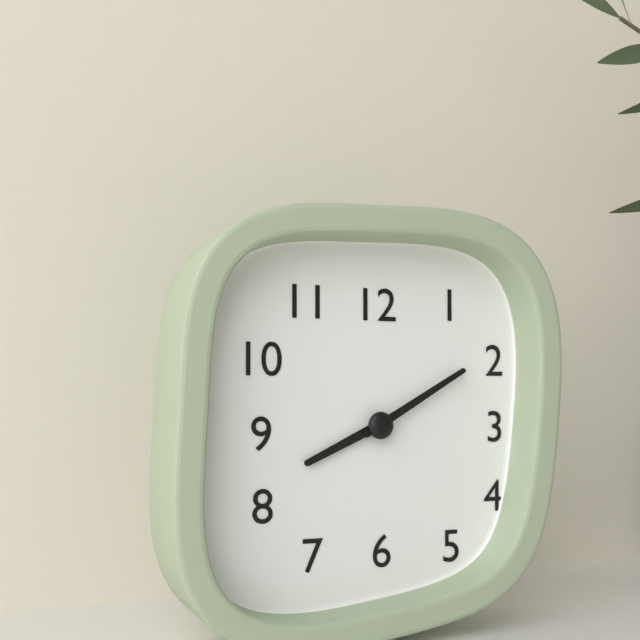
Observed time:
h=8 m=10
